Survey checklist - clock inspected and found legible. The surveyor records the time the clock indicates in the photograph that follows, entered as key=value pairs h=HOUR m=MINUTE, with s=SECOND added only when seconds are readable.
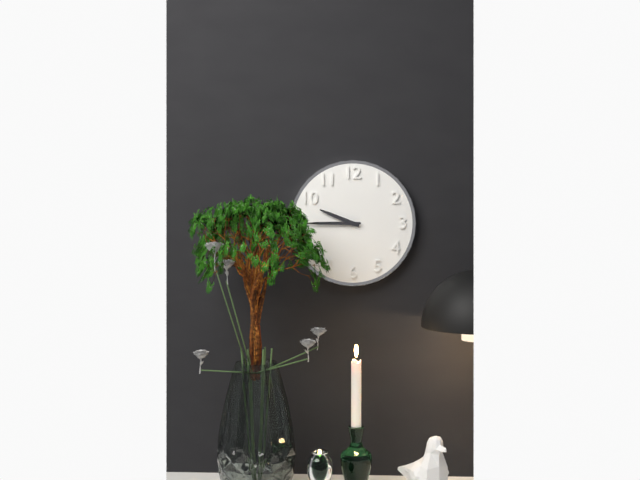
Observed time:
h=9 m=45
